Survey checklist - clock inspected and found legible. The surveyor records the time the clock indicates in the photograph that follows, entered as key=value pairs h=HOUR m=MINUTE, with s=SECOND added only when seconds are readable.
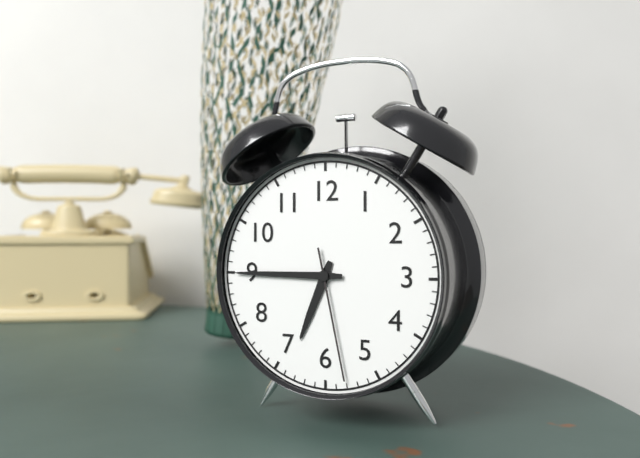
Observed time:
h=6 m=45 s=28
